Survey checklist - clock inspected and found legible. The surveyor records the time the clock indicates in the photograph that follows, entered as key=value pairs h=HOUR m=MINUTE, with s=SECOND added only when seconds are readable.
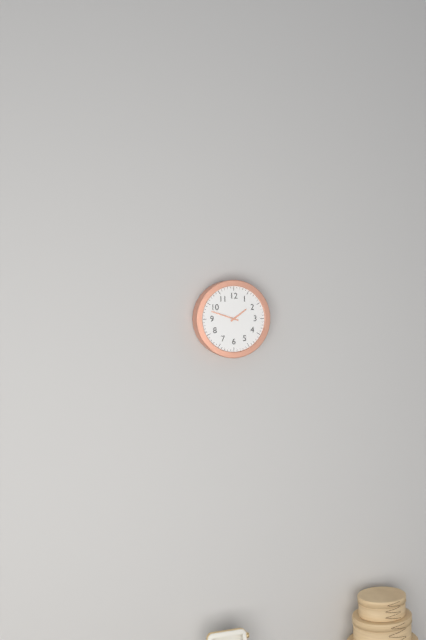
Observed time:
h=1 m=48
